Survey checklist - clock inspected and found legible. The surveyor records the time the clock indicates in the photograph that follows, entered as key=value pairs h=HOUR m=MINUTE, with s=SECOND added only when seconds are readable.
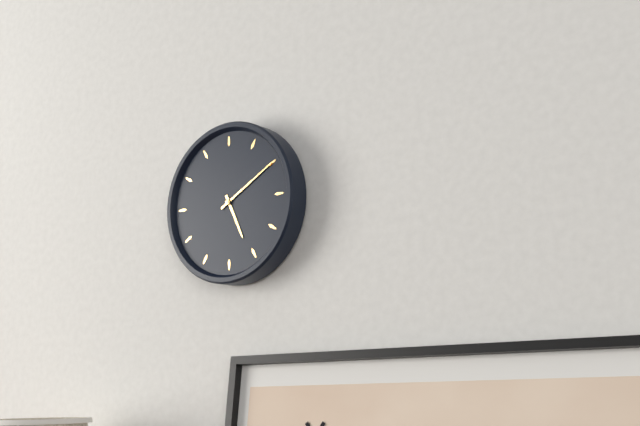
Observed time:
h=5 m=10
